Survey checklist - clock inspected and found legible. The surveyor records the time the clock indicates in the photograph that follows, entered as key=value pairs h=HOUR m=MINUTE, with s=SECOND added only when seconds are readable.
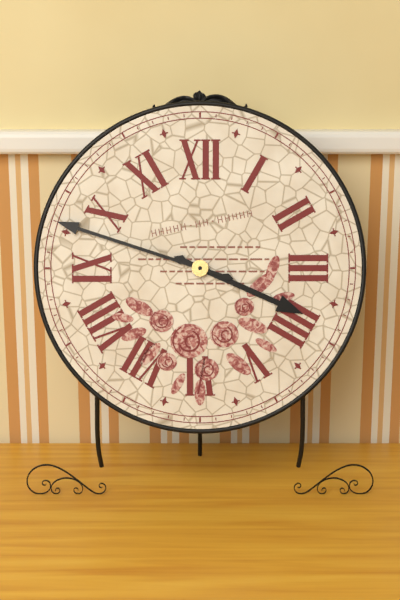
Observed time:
h=3 m=48
